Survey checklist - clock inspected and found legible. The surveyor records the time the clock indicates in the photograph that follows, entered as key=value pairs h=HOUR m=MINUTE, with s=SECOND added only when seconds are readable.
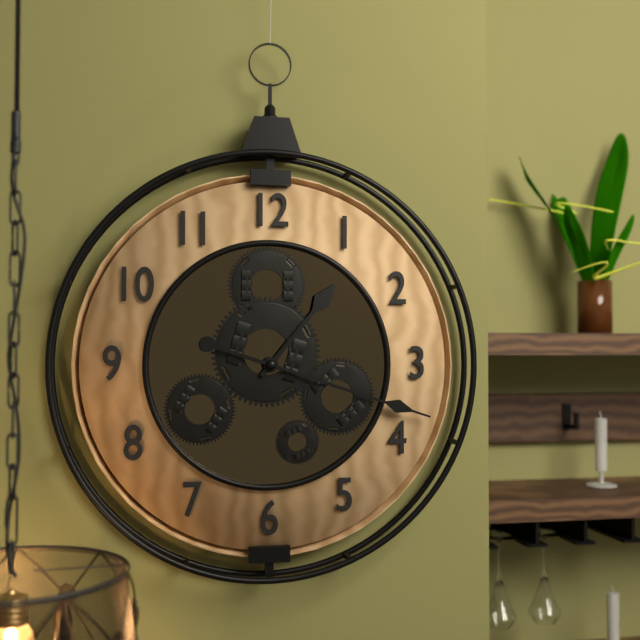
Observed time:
h=1 m=18
